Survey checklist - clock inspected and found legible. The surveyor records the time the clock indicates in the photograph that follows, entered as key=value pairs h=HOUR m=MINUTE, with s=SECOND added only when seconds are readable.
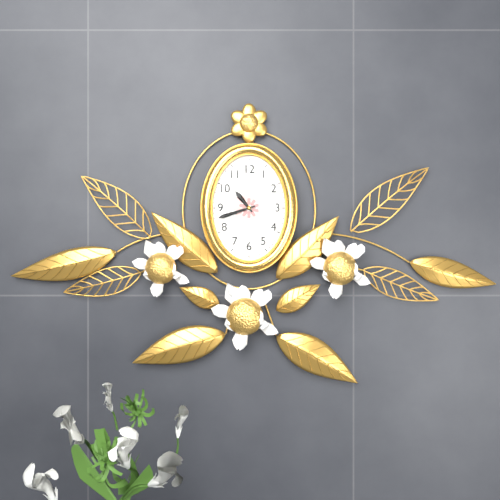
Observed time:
h=10 m=42
